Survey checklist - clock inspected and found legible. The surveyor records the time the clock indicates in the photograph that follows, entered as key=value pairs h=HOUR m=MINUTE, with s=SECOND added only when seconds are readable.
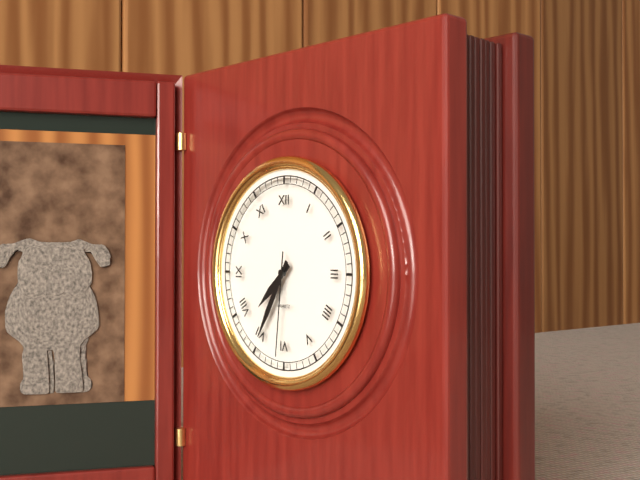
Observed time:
h=7 m=35 s=31
